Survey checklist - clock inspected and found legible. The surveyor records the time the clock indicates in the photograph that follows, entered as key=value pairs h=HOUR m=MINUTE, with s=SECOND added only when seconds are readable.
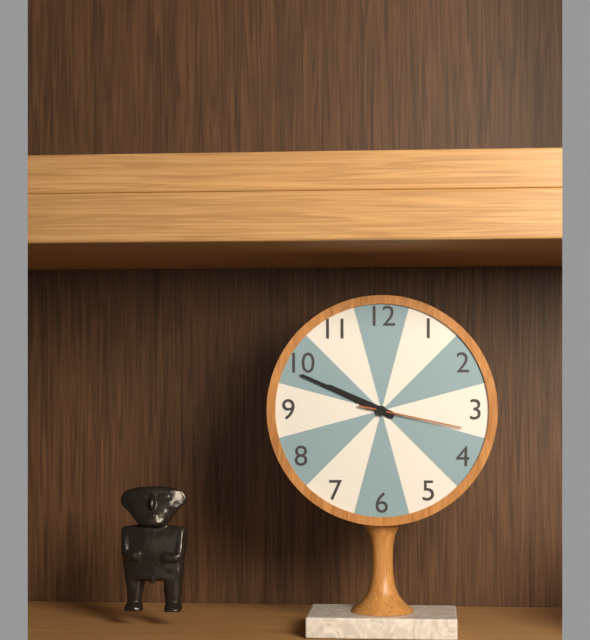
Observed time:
h=9 m=49 s=17
